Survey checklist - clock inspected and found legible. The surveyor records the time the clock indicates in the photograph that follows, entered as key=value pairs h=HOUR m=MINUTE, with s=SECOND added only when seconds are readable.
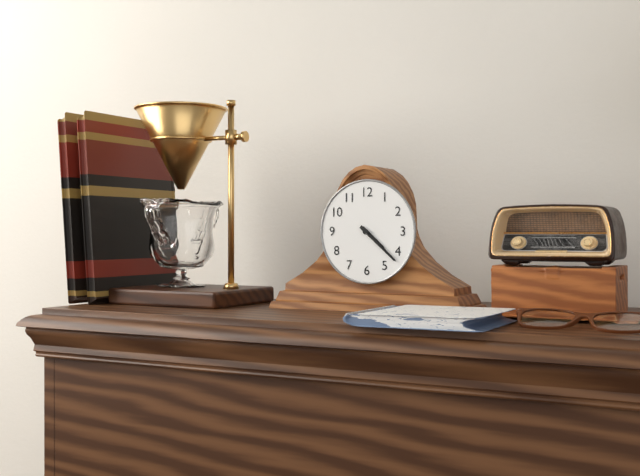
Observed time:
h=4 m=22
